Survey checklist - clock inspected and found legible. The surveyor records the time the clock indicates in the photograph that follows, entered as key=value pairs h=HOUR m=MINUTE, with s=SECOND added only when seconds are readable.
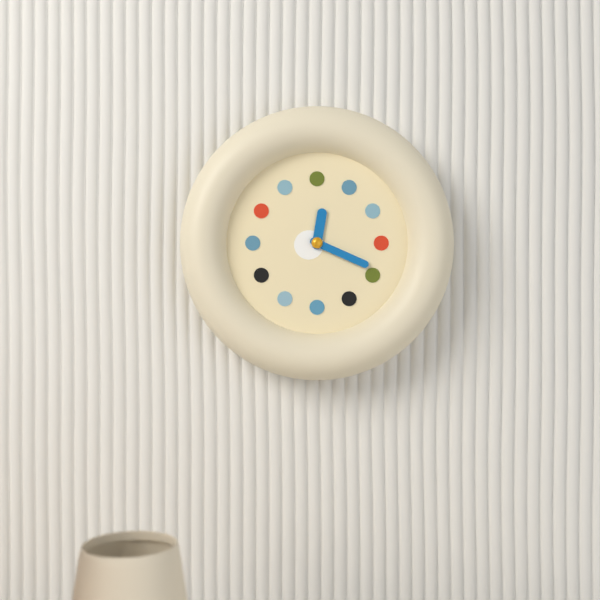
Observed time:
h=12 m=19
